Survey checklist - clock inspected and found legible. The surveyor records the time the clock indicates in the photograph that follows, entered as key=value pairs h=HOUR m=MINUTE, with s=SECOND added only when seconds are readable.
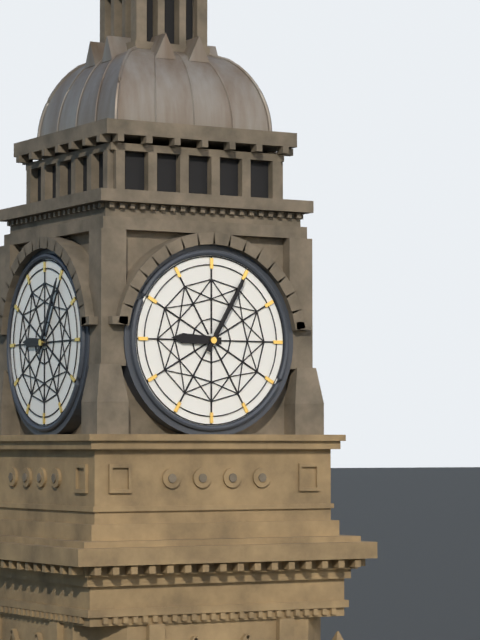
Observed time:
h=9 m=5
